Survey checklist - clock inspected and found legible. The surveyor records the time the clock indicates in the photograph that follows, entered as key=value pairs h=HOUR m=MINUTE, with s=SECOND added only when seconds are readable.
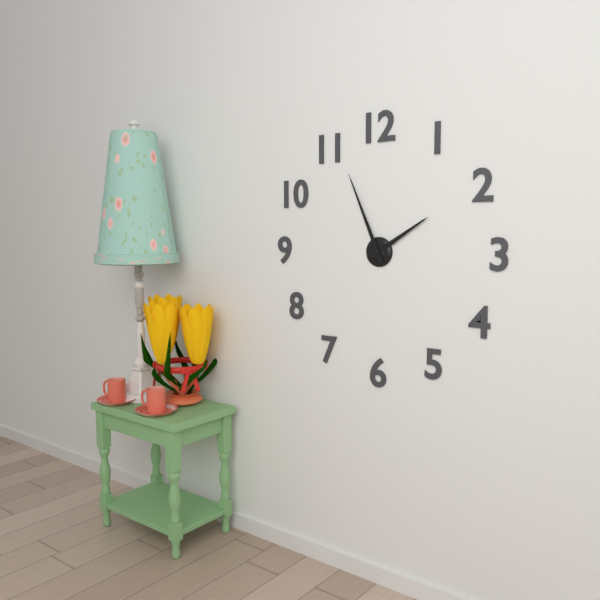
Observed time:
h=1 m=56
